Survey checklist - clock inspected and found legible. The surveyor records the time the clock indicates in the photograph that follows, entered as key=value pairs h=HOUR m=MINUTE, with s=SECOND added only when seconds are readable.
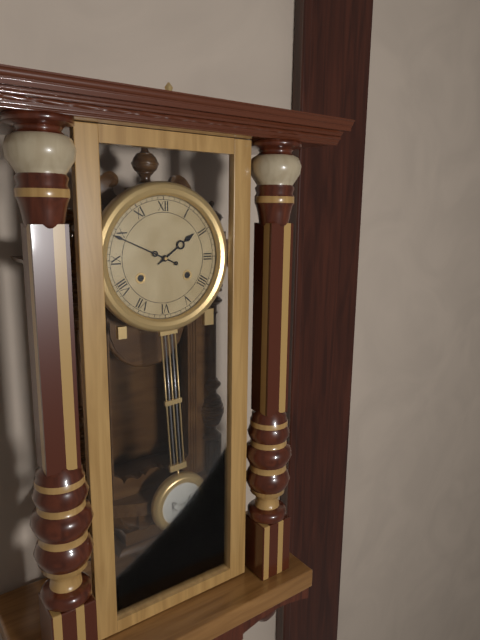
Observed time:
h=1 m=49
